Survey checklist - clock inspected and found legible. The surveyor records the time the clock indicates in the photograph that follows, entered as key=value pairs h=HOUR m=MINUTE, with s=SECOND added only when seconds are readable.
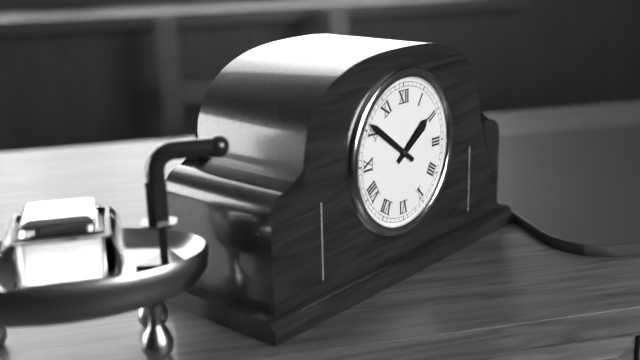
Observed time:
h=1 m=51
